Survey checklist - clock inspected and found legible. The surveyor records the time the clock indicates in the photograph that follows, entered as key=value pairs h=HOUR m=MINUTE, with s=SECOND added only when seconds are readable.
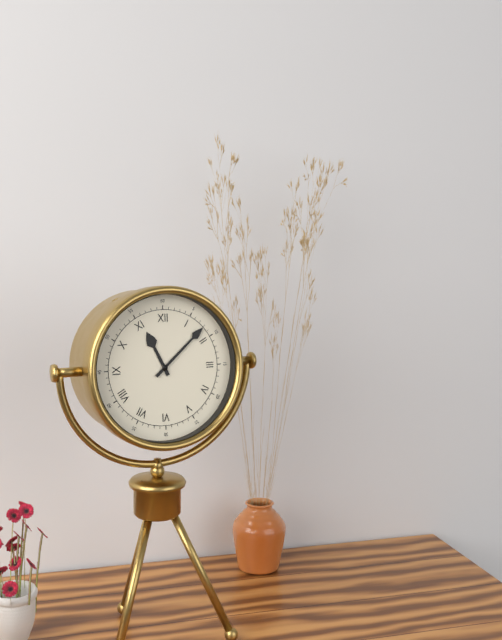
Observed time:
h=11 m=8
